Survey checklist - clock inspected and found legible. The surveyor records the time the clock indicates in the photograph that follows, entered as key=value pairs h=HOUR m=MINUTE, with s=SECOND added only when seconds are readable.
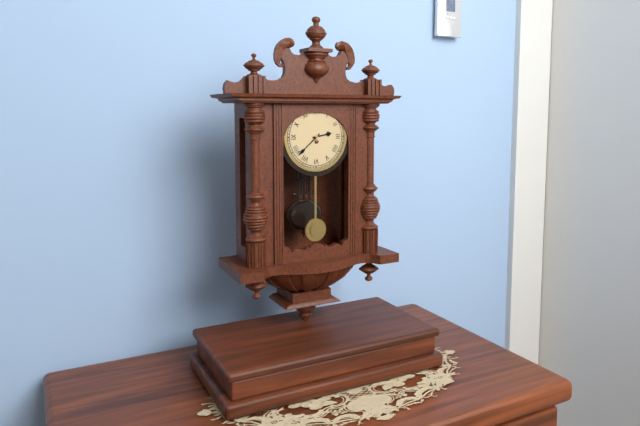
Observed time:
h=2 m=38
